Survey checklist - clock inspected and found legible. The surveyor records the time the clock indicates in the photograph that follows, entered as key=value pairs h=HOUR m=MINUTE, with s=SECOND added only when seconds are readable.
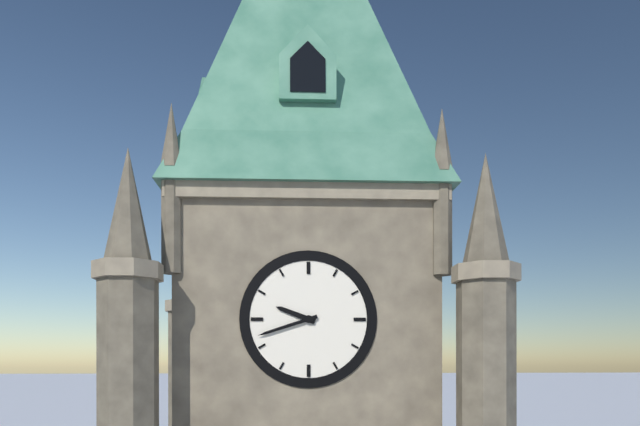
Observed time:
h=9 m=42
